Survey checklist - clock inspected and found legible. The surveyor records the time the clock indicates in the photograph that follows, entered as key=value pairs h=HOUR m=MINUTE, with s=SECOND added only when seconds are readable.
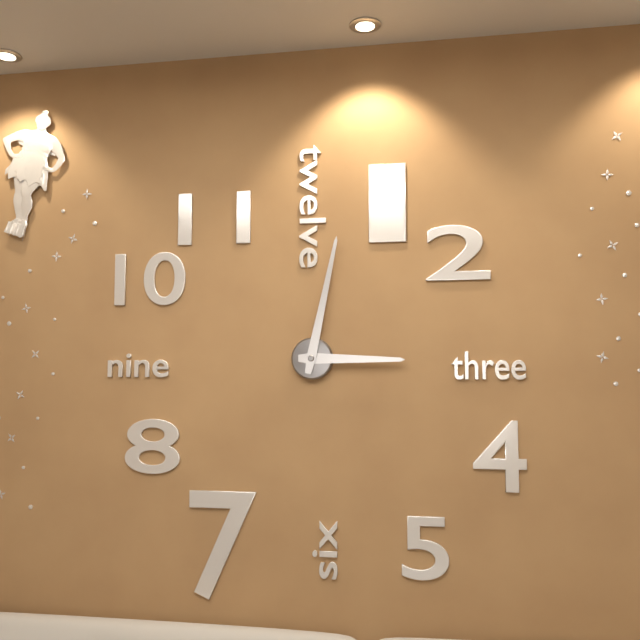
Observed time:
h=3 m=2
